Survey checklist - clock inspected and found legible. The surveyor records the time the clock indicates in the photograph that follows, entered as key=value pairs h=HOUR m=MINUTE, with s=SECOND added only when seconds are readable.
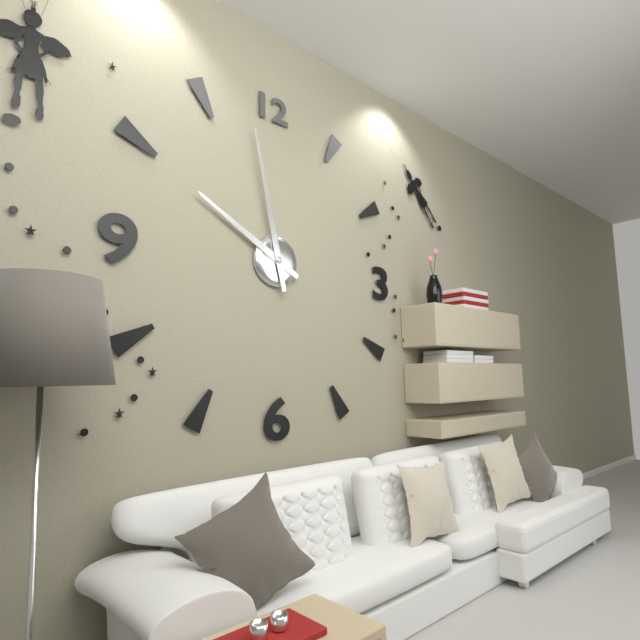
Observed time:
h=9 m=58
